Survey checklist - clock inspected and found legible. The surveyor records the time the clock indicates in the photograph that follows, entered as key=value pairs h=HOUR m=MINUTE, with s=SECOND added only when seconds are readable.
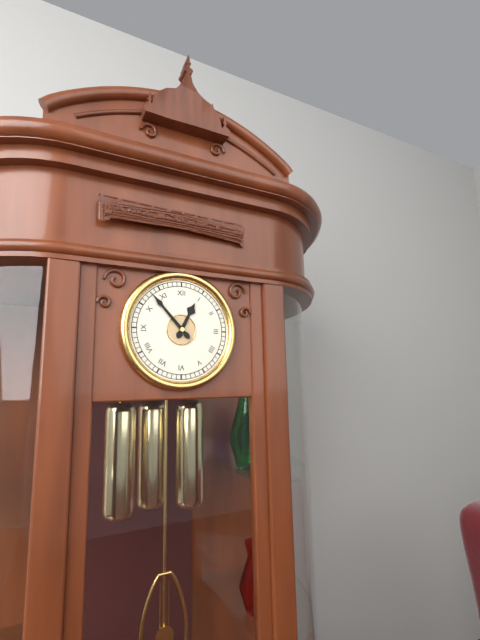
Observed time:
h=12 m=53
